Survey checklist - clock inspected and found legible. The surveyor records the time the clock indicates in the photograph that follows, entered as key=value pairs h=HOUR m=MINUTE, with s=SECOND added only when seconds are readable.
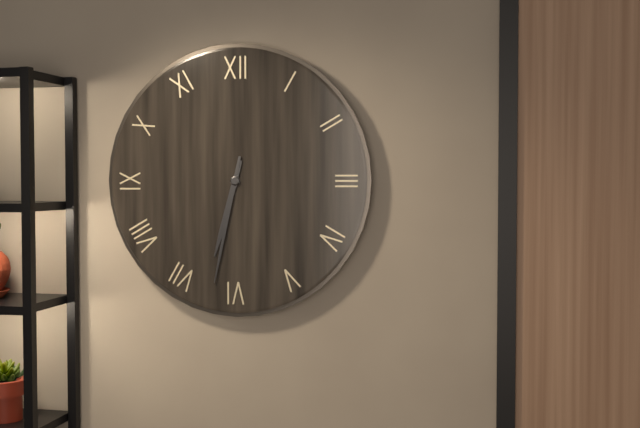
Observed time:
h=6 m=32
